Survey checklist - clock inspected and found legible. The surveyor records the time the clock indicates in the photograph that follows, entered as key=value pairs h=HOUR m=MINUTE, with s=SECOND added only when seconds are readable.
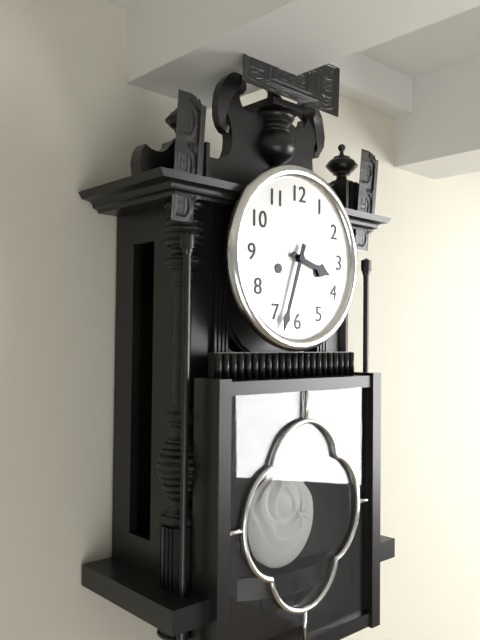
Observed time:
h=3 m=33
